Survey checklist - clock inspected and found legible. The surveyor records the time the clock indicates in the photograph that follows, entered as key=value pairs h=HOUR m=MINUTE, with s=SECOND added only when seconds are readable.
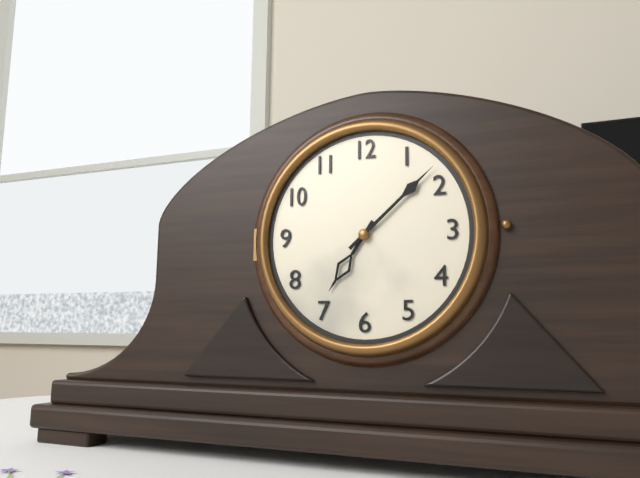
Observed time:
h=7 m=8
